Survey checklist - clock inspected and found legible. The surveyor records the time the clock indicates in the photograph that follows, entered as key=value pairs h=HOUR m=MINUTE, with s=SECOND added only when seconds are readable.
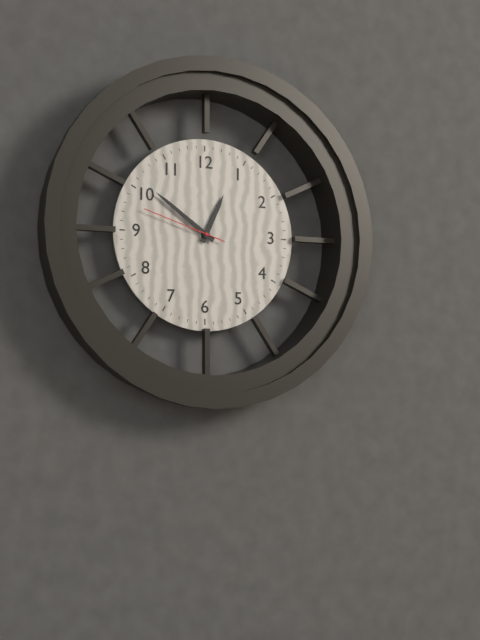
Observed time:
h=12 m=51 s=48
